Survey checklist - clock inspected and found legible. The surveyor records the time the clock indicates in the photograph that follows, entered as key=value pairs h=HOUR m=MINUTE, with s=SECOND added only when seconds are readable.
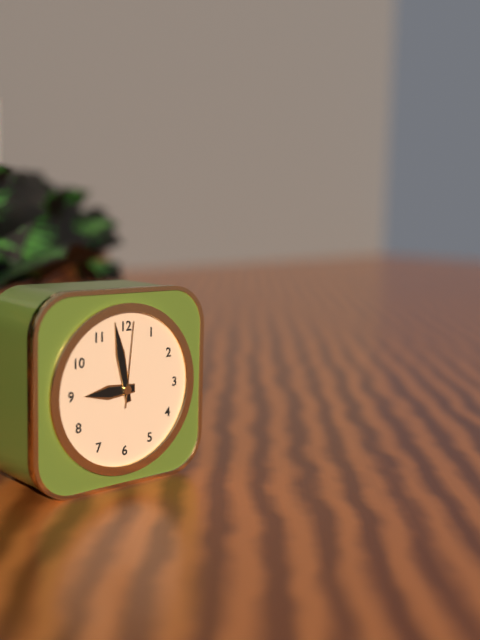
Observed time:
h=8 m=58 s=1
